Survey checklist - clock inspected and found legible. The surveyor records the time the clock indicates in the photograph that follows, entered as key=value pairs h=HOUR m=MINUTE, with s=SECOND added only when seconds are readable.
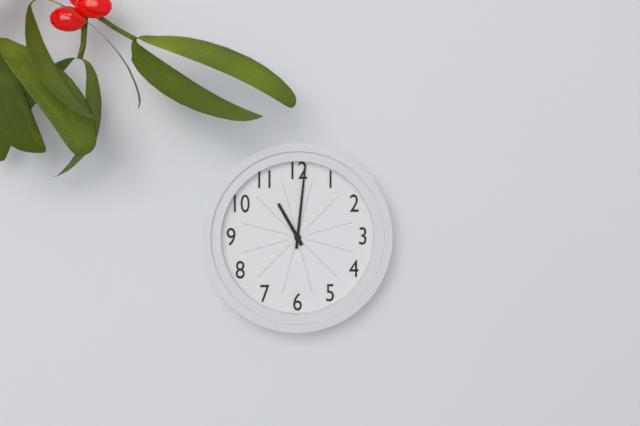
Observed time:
h=11 m=1
